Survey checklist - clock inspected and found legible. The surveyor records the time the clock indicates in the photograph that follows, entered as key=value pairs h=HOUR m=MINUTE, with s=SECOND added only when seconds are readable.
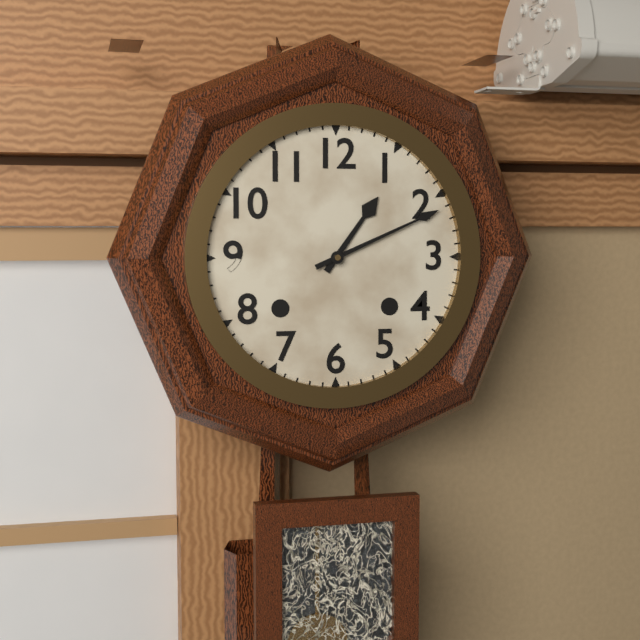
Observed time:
h=1 m=11
